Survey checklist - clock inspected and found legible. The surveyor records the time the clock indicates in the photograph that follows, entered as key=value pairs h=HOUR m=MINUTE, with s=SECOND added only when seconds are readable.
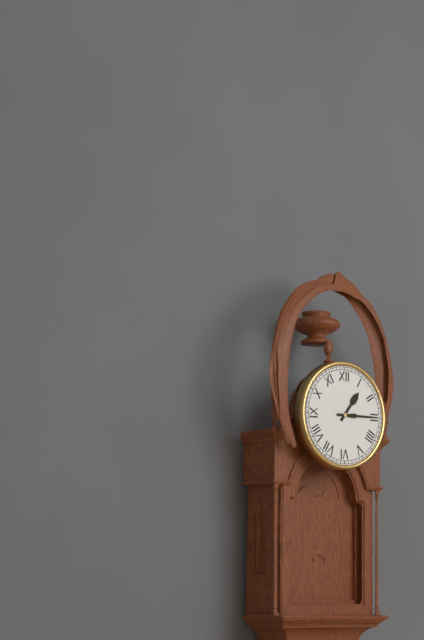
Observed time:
h=1 m=15
